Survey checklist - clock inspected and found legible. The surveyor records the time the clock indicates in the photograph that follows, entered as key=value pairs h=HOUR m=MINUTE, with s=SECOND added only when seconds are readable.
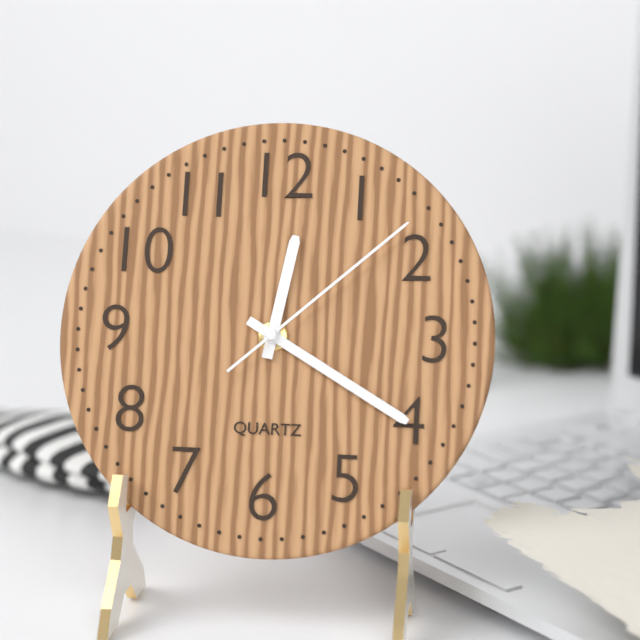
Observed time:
h=12 m=20 s=8
